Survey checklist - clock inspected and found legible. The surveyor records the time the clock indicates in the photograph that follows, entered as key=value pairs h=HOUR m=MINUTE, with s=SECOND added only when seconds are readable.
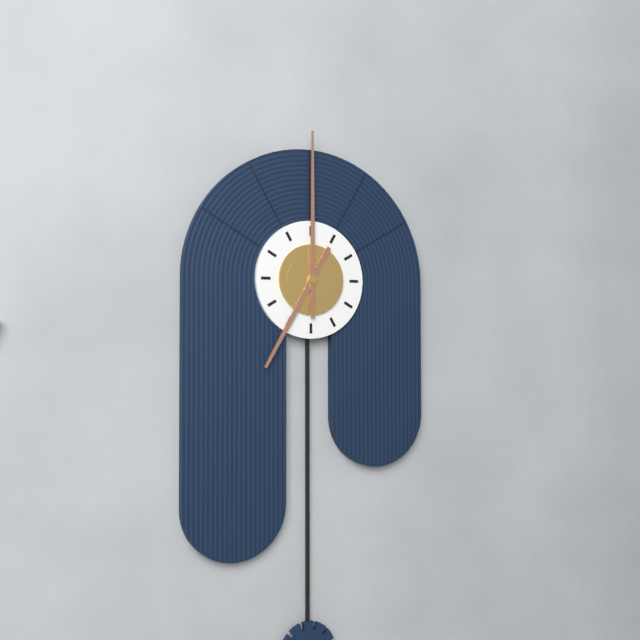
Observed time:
h=7 m=0
